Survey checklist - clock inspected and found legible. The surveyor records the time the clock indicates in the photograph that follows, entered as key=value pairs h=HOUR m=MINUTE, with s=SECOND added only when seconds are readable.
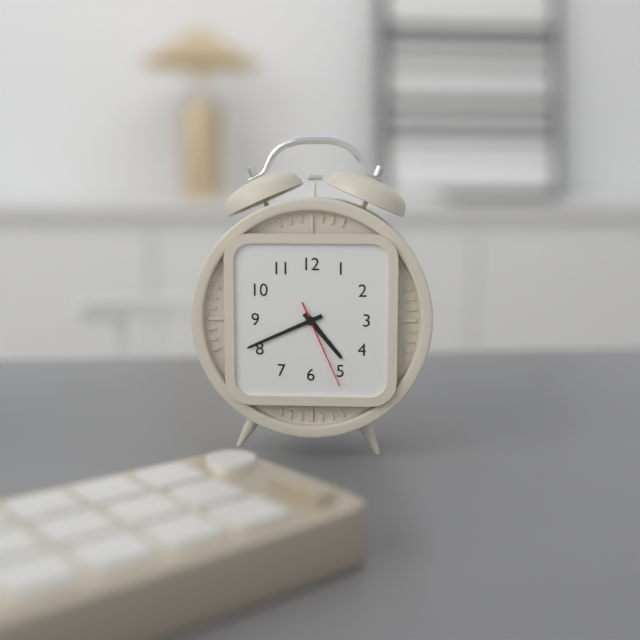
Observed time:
h=4 m=41 s=26
